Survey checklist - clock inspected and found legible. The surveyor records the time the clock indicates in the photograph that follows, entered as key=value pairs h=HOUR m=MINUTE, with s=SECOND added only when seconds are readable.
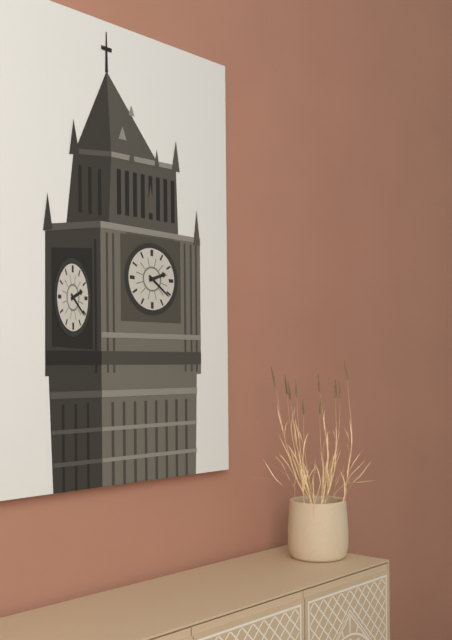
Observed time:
h=2 m=21
